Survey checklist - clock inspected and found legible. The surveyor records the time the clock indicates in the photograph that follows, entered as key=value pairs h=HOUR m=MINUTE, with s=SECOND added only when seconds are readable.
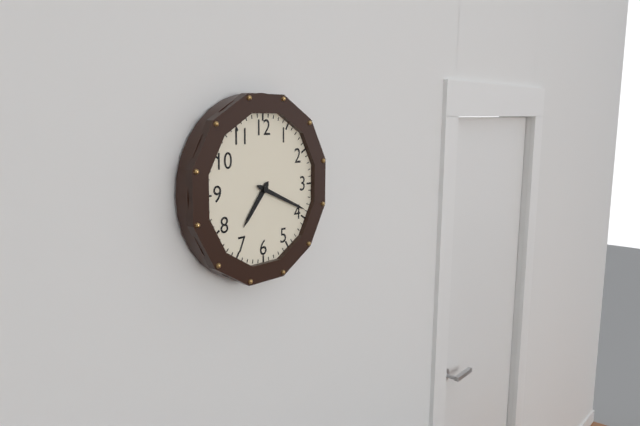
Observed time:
h=7 m=19
